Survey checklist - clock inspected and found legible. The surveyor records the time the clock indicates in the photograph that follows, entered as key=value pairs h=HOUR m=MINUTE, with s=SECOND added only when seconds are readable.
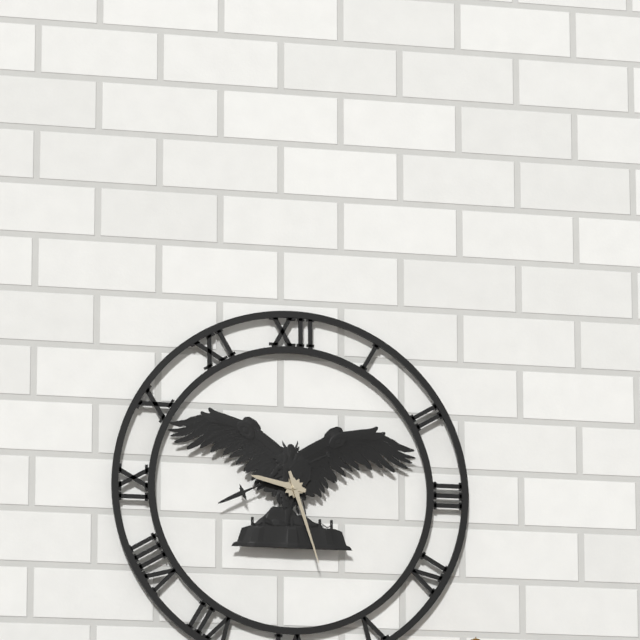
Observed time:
h=9 m=27
